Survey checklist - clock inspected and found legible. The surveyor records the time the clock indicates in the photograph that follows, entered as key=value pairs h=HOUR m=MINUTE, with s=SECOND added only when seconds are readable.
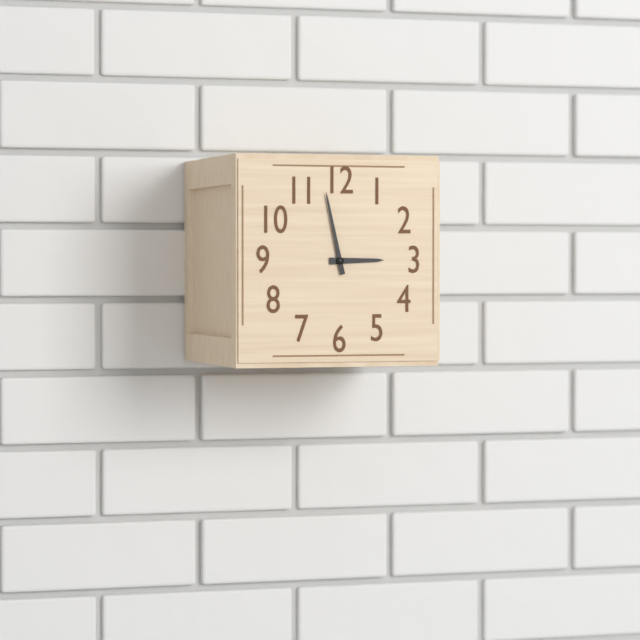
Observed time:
h=2 m=58
